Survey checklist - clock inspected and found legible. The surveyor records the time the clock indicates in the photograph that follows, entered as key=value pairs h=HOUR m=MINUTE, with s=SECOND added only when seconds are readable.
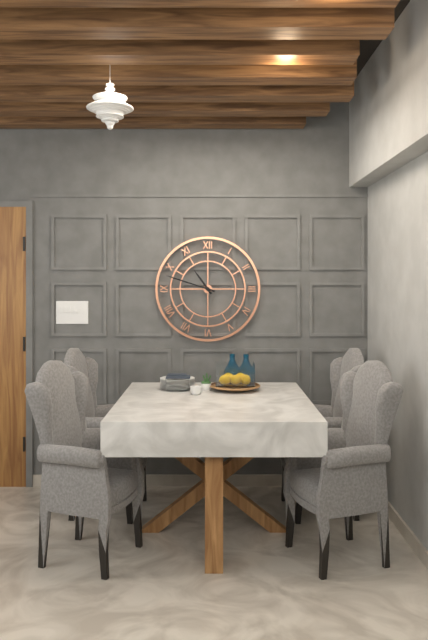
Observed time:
h=10 m=48
